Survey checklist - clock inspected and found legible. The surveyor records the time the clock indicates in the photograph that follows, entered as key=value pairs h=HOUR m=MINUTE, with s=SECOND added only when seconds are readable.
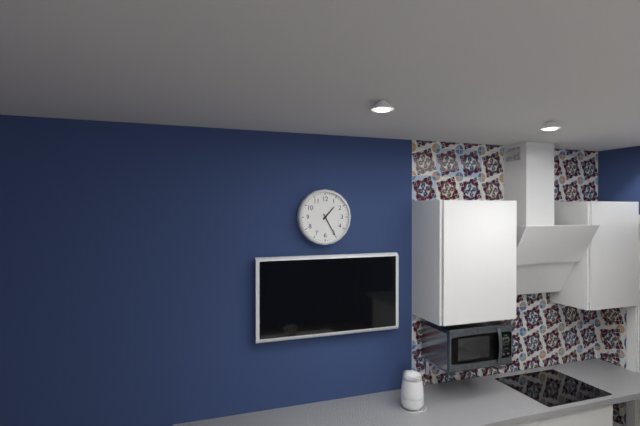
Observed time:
h=1 m=25
